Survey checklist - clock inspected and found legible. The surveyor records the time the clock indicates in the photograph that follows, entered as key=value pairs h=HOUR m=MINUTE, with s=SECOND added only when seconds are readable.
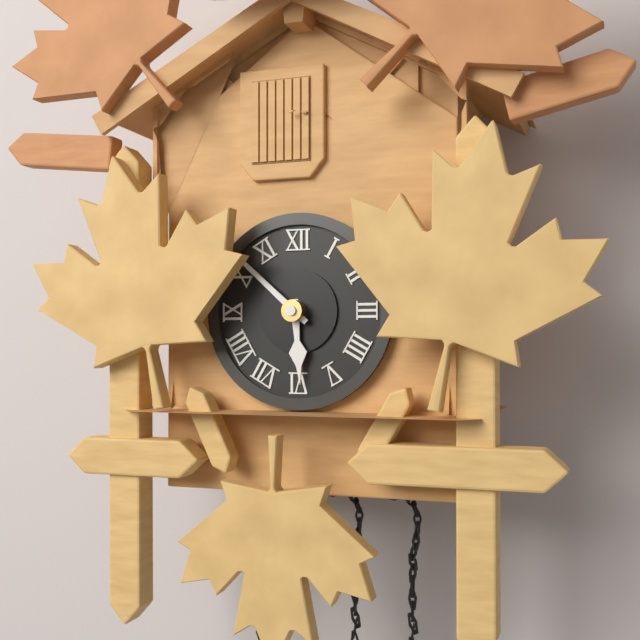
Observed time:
h=5 m=52
